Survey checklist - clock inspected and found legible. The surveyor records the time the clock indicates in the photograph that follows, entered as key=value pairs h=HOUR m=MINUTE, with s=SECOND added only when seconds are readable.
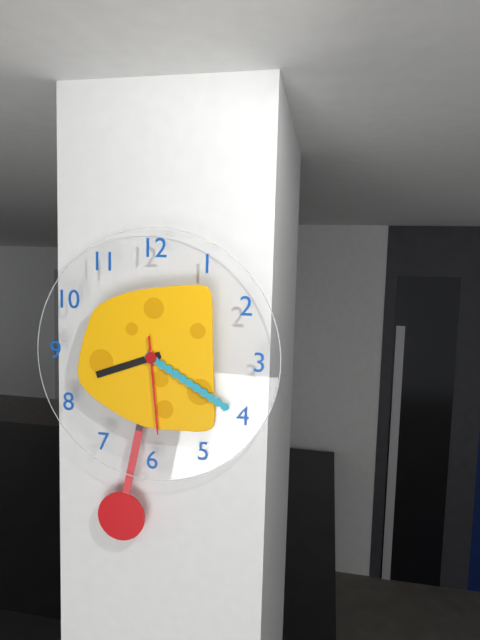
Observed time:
h=8 m=20 s=29
